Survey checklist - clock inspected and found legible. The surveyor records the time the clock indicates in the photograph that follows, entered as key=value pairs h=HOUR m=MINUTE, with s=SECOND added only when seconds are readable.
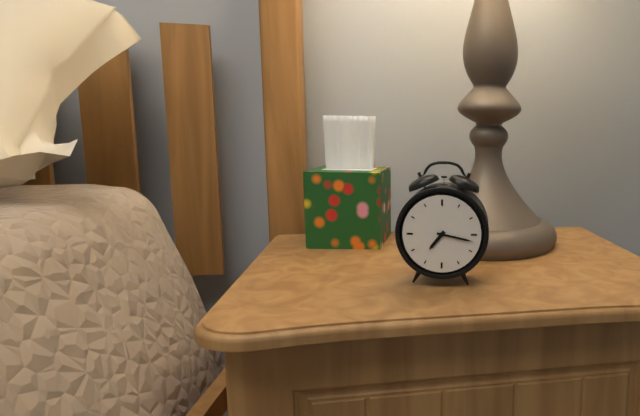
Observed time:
h=7 m=17
